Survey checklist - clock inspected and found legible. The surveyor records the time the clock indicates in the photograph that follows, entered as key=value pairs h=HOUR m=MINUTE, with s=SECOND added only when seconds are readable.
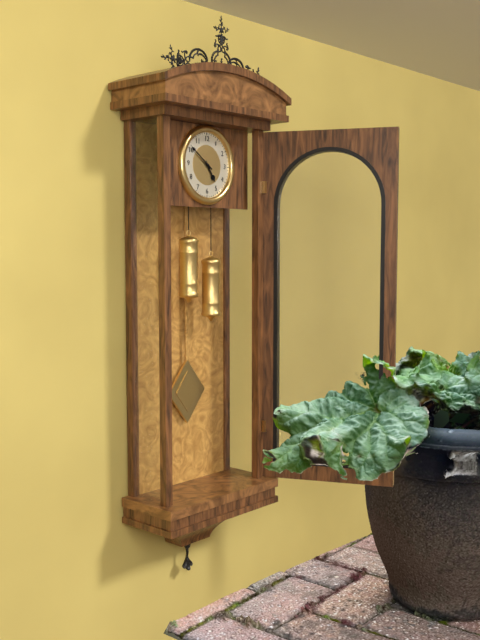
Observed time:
h=4 m=51
